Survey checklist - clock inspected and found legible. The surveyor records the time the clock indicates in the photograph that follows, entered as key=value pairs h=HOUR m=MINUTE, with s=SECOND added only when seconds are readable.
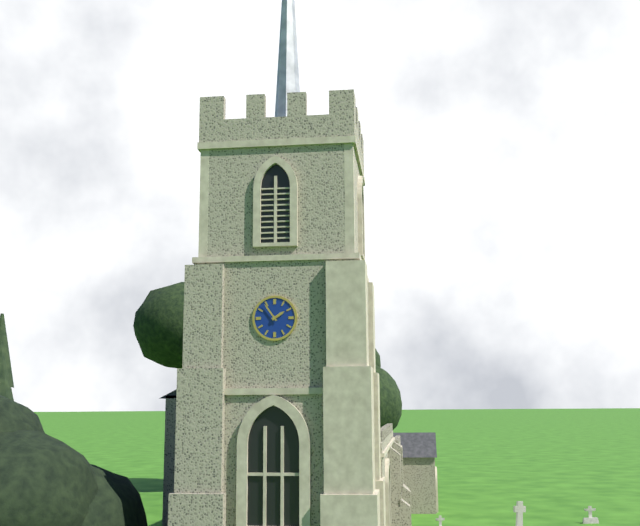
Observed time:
h=1 m=54
